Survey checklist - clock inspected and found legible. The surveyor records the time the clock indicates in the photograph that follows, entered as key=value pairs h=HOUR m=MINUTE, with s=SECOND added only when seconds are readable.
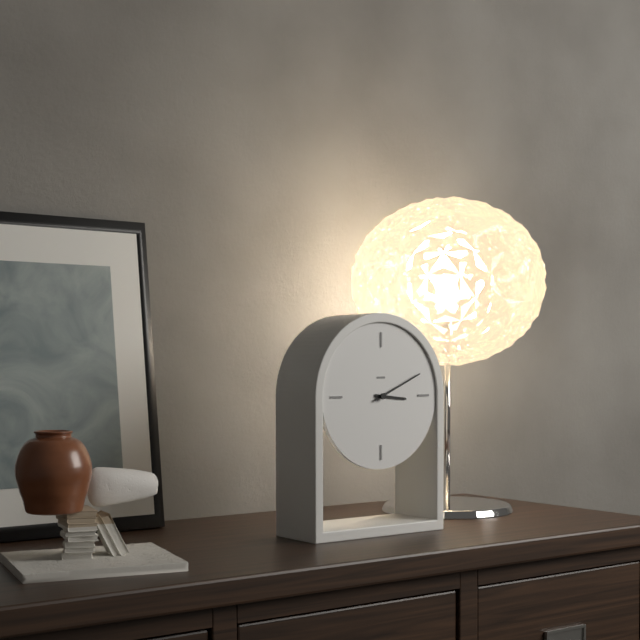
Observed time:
h=3 m=11
